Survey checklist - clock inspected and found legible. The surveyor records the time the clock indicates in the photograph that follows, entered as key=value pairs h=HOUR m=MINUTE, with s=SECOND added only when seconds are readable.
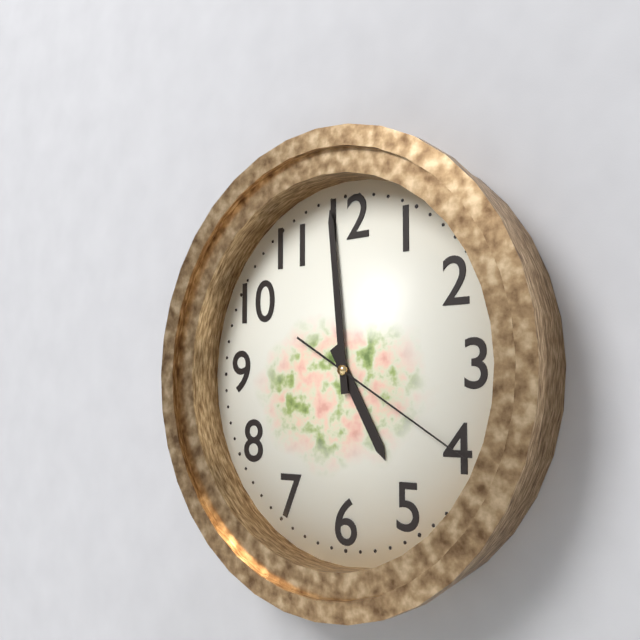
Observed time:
h=4 m=59 s=20
